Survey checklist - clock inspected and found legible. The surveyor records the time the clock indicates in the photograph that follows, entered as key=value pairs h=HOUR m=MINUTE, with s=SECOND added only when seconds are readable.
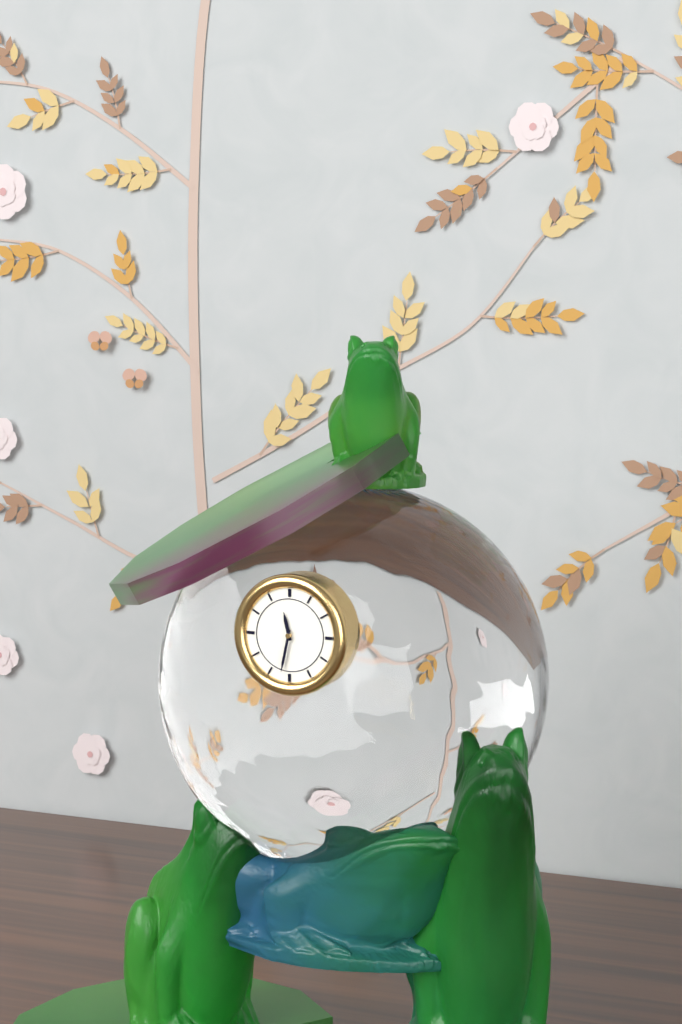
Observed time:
h=11 m=32
